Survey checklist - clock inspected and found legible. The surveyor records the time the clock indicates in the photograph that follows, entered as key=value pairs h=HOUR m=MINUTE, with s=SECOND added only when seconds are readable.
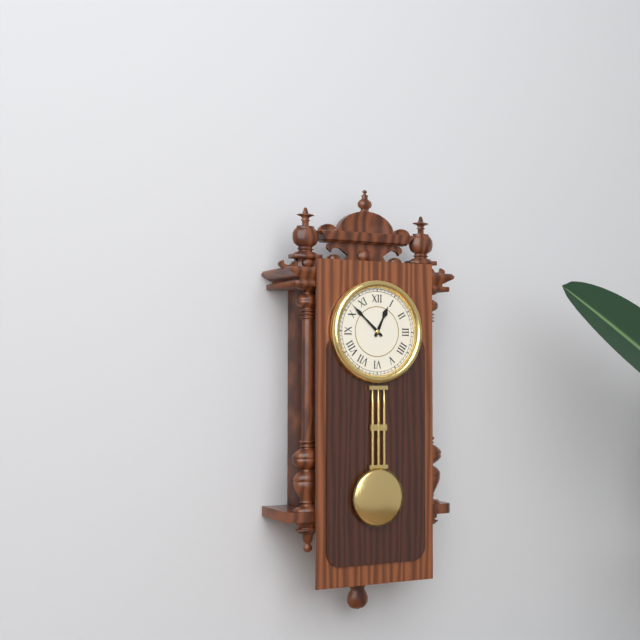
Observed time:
h=12 m=52
